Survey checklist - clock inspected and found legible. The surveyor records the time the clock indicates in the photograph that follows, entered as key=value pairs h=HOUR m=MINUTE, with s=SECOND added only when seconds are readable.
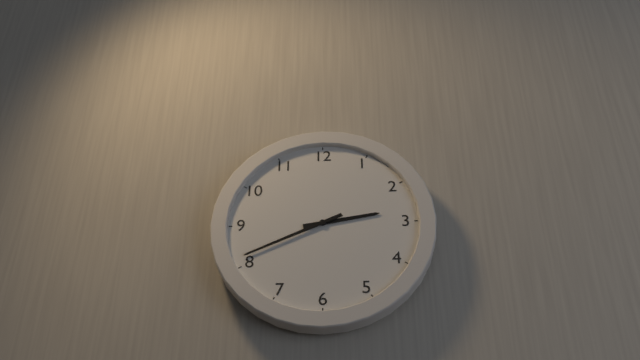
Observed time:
h=2 m=41
